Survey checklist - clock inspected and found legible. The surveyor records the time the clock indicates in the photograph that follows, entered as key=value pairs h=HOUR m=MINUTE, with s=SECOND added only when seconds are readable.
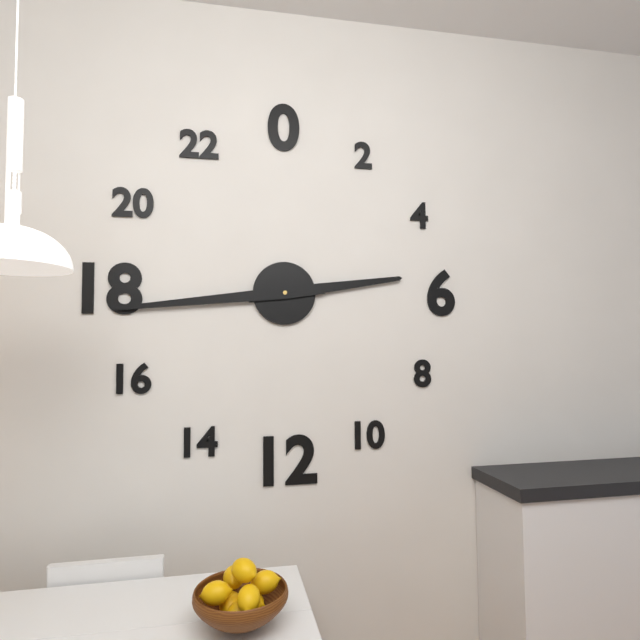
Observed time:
h=2 m=44
